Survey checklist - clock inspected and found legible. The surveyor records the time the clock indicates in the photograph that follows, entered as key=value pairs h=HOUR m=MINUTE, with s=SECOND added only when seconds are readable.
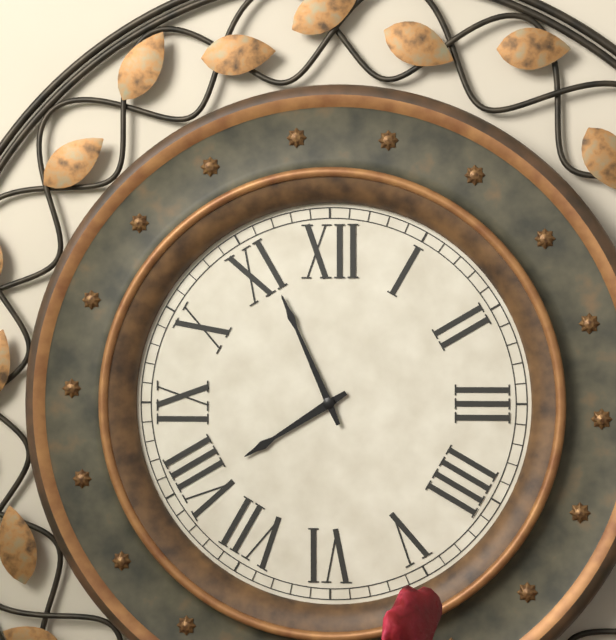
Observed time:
h=7 m=56
